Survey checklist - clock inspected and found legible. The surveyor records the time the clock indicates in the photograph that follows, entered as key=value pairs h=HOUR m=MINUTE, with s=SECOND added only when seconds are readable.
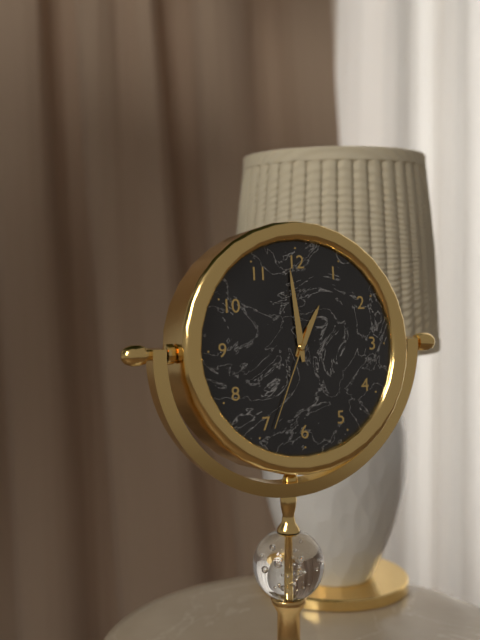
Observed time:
h=12 m=59 s=34
